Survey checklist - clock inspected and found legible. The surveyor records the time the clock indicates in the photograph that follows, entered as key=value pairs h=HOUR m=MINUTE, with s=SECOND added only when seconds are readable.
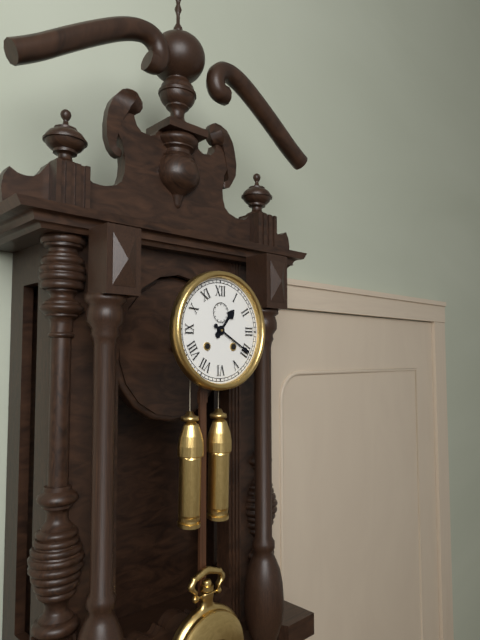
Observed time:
h=1 m=20
